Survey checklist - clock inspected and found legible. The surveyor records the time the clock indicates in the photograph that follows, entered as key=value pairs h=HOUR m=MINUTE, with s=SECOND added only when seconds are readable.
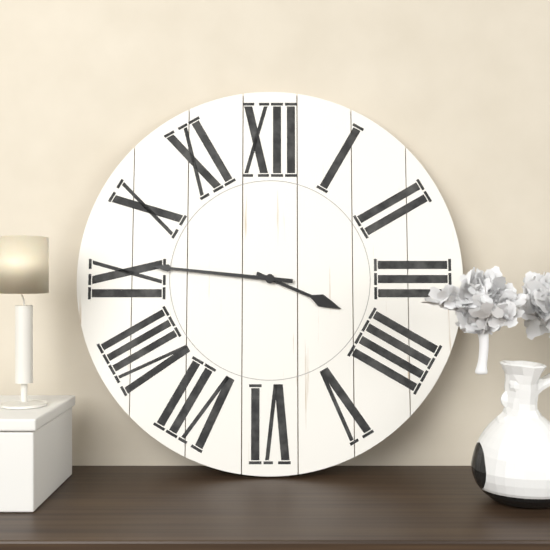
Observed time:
h=3 m=46
